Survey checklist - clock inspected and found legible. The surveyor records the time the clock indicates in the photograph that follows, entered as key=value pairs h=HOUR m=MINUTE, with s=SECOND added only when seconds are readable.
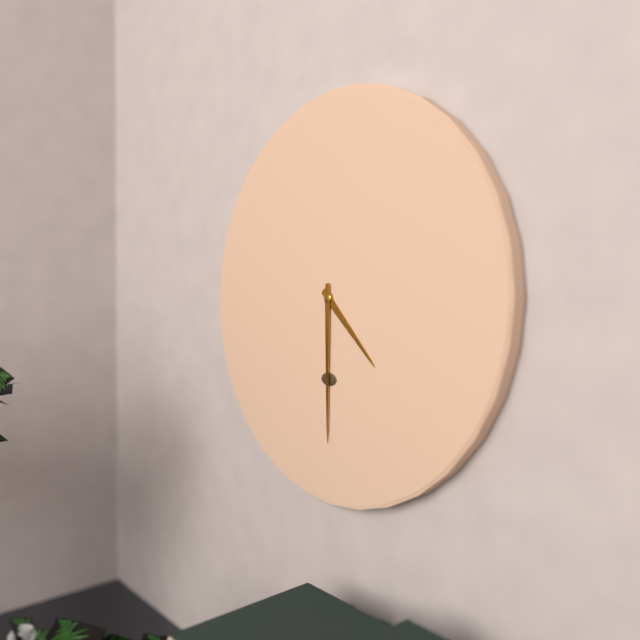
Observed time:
h=4 m=30
